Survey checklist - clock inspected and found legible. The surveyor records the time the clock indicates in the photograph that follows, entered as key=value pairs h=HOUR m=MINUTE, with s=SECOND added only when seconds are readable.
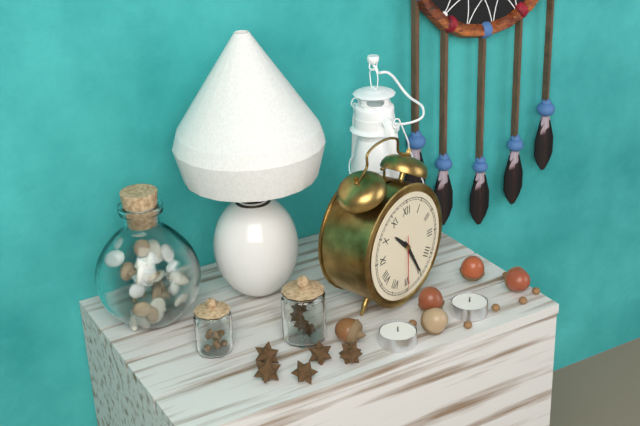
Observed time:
h=10 m=25 s=30
